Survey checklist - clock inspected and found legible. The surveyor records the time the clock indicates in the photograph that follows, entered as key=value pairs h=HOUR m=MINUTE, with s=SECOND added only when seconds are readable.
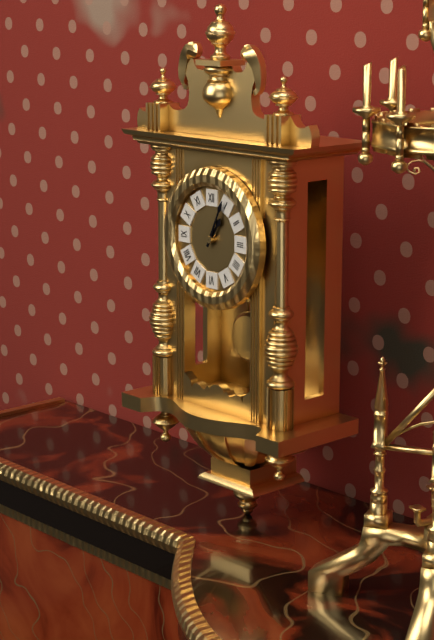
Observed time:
h=1 m=4
